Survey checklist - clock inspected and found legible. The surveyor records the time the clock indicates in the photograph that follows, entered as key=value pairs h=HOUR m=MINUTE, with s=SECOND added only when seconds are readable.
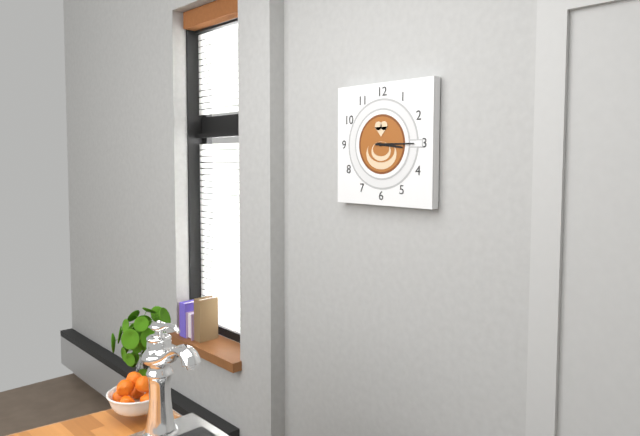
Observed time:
h=3 m=15
